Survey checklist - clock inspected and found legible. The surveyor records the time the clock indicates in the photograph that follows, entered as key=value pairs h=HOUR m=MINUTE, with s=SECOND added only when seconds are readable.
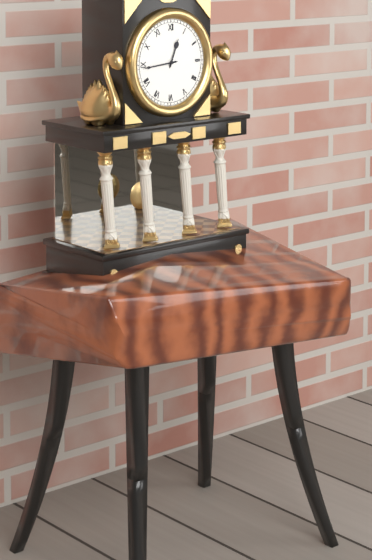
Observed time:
h=12 m=44
